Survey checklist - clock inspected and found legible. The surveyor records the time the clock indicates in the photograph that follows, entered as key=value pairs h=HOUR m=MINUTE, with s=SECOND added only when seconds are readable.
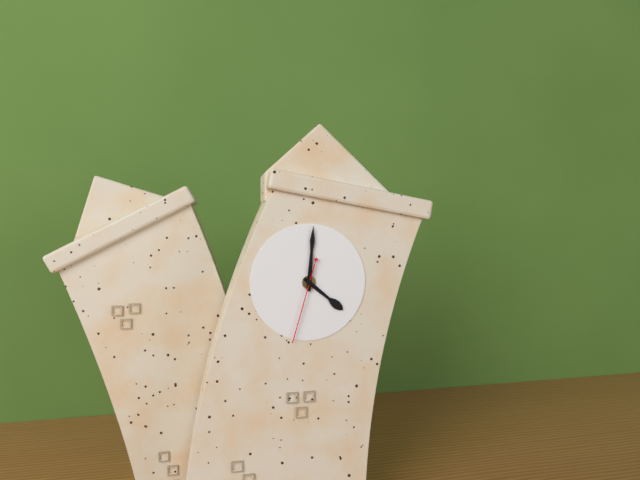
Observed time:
h=3 m=59 s=31
